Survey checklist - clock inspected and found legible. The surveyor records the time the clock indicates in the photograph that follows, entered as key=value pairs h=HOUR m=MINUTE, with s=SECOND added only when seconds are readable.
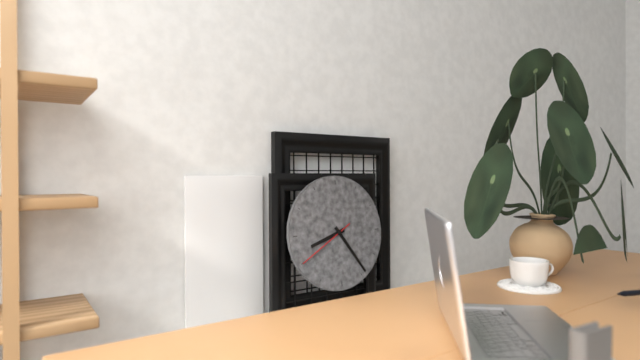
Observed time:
h=8 m=24 s=40
